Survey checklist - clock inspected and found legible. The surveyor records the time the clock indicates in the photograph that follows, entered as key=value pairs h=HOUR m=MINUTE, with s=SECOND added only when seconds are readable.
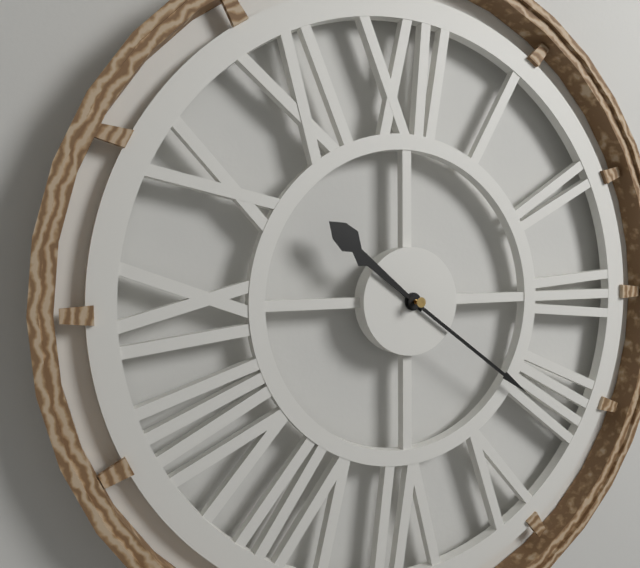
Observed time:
h=10 m=21
